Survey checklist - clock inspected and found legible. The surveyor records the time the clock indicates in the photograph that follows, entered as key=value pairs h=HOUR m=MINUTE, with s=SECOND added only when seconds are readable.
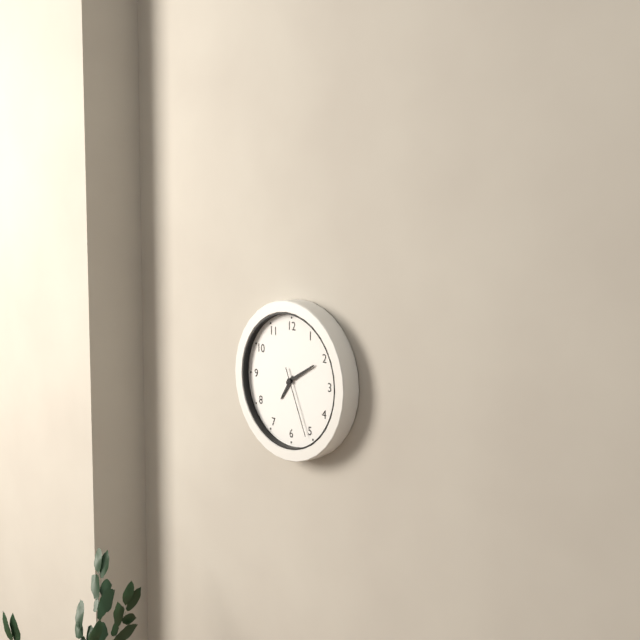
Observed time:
h=7 m=10 s=26
